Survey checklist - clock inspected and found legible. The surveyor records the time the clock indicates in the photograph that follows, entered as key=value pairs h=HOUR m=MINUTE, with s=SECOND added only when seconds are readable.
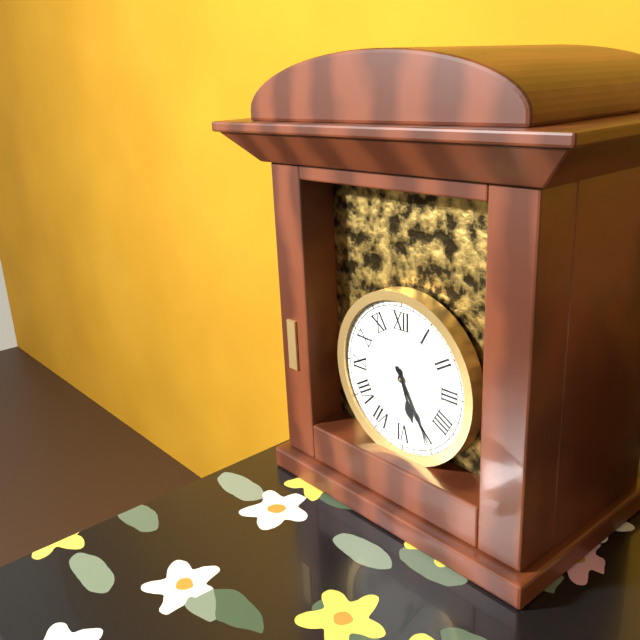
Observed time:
h=5 m=25
